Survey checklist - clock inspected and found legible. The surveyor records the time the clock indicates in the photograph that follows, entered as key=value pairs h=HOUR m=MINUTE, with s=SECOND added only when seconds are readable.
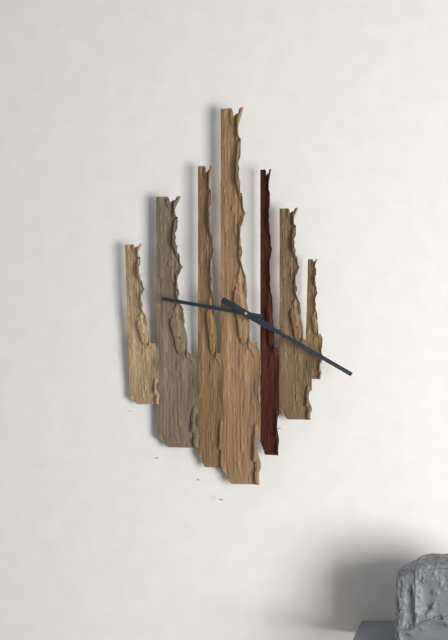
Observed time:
h=9 m=20
